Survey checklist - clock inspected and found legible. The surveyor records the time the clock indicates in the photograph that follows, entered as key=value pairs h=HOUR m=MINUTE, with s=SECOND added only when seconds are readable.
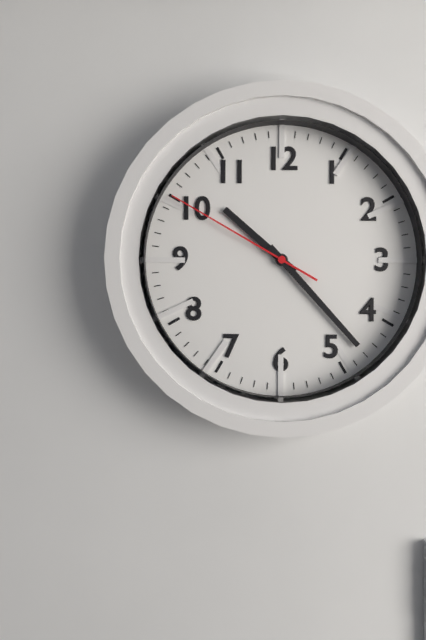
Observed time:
h=10 m=23 s=50
